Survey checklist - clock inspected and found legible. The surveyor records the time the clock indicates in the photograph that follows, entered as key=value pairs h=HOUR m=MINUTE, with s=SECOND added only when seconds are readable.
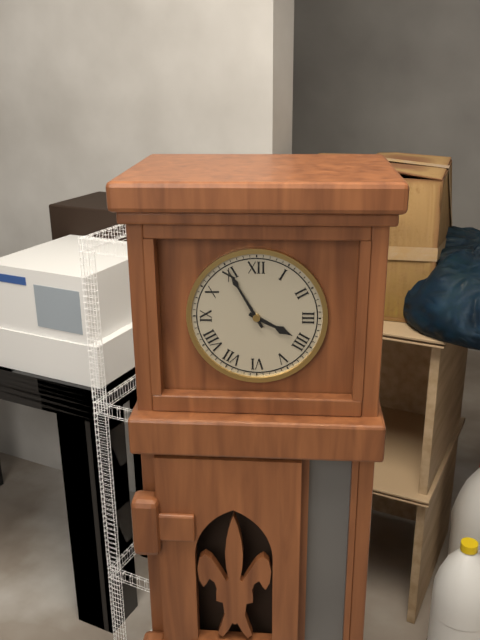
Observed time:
h=3 m=55
